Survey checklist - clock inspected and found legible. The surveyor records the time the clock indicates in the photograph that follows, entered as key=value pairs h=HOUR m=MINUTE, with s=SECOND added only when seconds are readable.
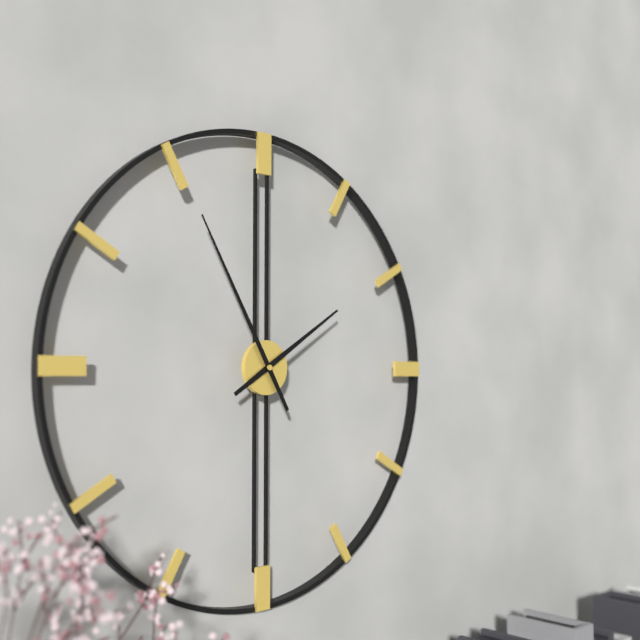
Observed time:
h=1 m=55
